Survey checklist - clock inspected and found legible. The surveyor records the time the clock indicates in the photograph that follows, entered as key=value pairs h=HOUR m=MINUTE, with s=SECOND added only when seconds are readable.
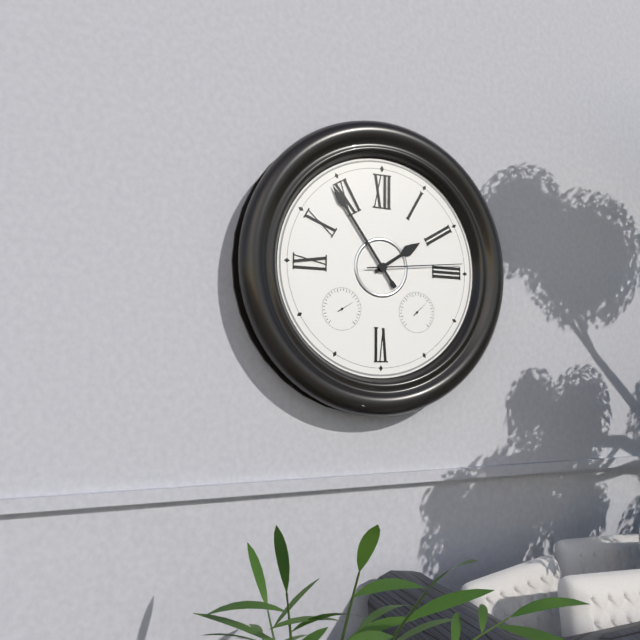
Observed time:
h=1 m=54 s=14
